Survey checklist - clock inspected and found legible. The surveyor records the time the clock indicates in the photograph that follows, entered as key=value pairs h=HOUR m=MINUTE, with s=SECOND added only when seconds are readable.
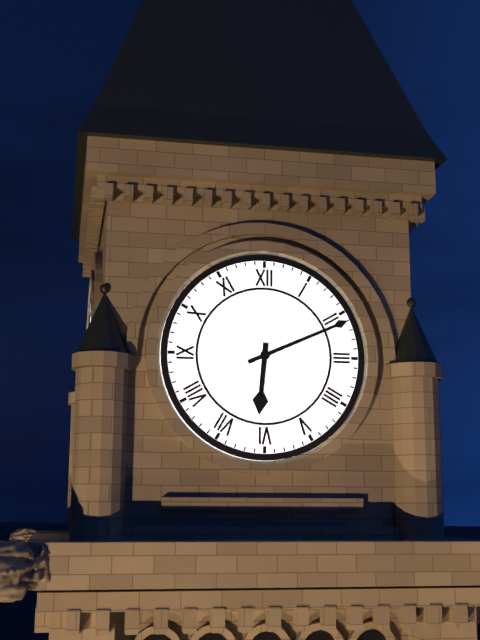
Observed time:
h=6 m=11
